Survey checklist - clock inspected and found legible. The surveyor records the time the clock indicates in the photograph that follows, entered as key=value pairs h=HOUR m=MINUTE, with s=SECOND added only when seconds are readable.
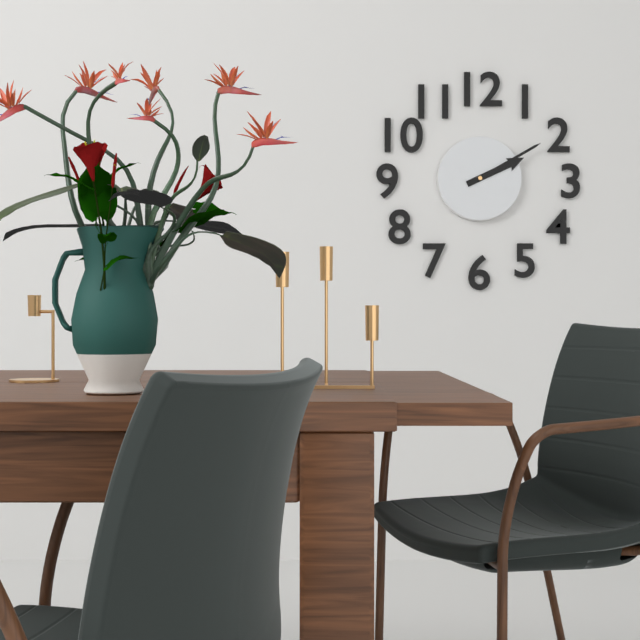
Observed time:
h=2 m=10
